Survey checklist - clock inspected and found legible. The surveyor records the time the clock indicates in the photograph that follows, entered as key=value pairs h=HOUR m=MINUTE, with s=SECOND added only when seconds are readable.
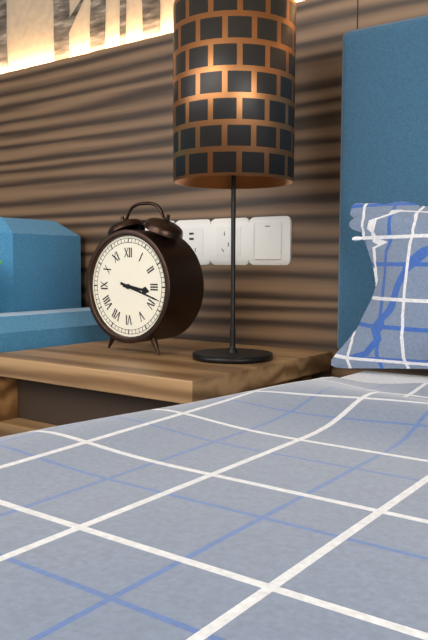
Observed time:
h=3 m=18
